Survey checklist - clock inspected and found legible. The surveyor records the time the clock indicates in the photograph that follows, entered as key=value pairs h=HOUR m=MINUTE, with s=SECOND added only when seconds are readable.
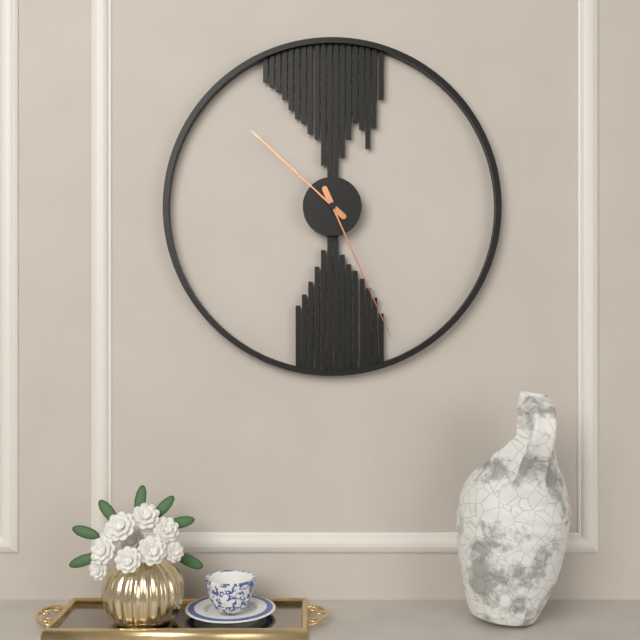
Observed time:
h=10 m=26
